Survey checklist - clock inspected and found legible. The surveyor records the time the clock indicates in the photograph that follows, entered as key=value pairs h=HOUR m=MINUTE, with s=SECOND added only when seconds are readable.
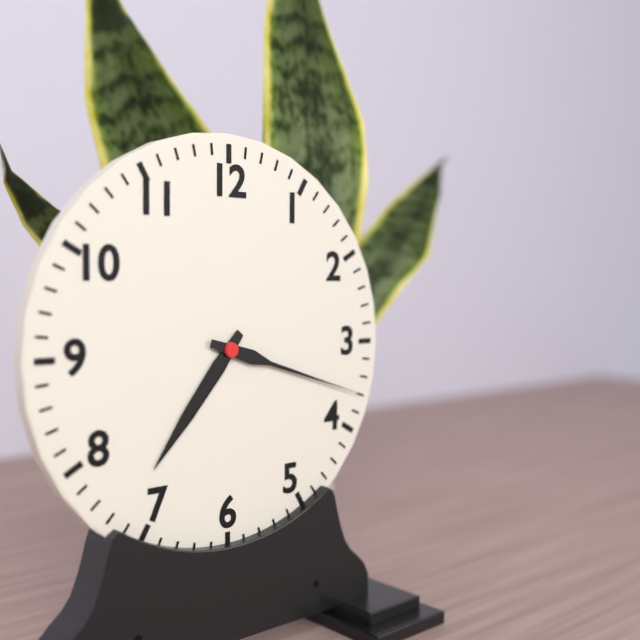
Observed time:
h=7 m=18
